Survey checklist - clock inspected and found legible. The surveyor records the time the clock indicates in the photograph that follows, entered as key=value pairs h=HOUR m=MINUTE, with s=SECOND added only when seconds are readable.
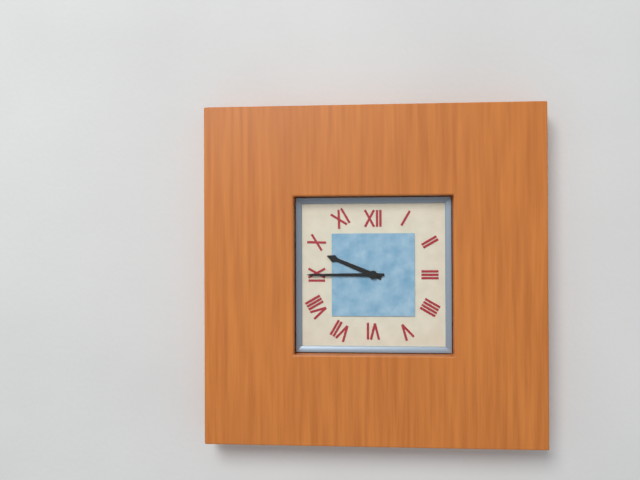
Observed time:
h=9 m=45
